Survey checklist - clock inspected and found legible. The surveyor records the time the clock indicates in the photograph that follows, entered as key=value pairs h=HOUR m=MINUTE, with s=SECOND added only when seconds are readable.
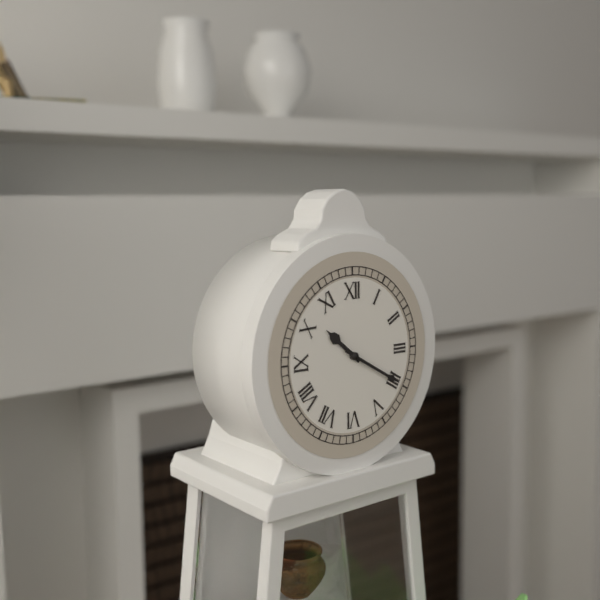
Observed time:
h=10 m=20
